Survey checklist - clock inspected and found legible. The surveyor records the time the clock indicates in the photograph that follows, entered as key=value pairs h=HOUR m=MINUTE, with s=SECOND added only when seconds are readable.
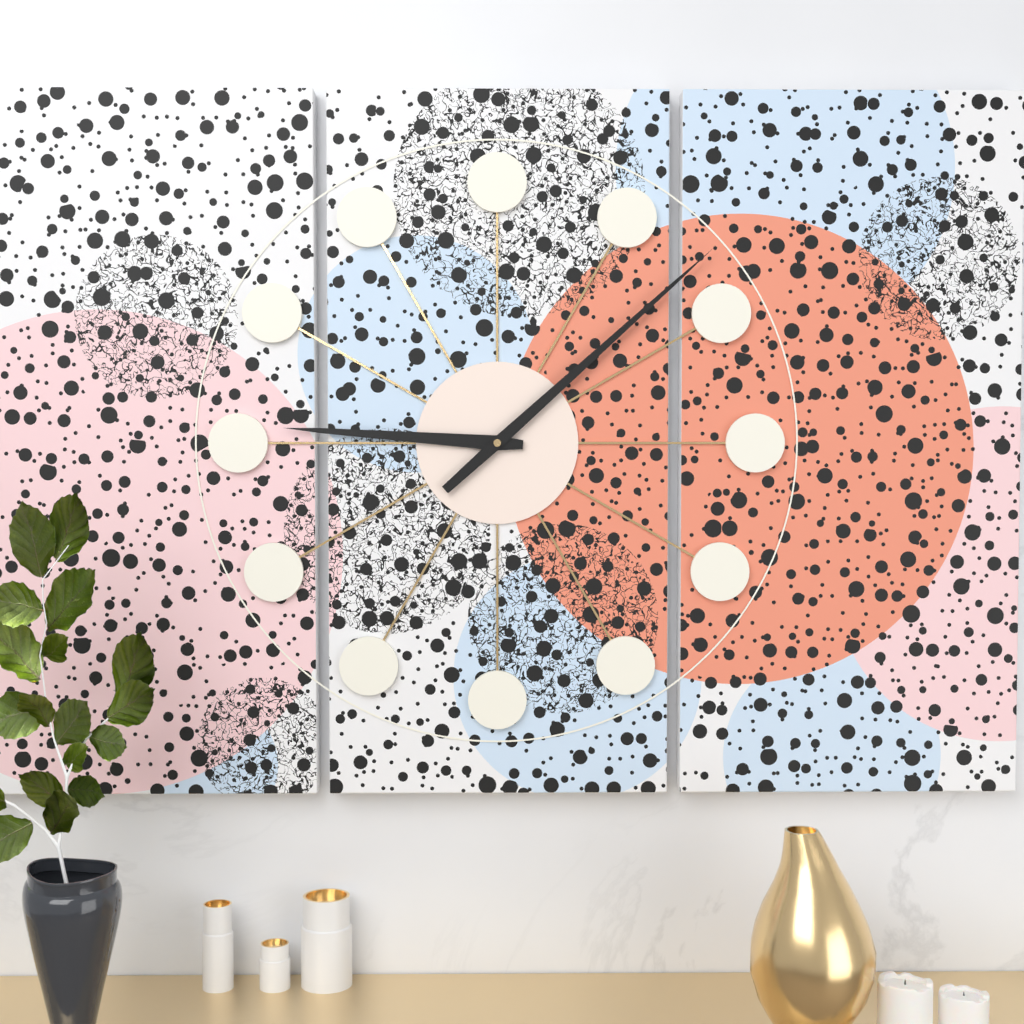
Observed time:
h=9 m=8
